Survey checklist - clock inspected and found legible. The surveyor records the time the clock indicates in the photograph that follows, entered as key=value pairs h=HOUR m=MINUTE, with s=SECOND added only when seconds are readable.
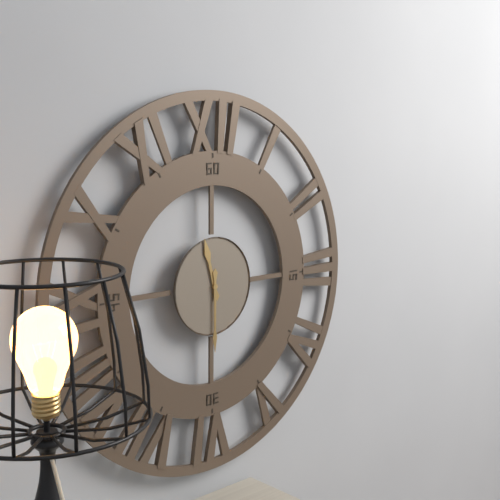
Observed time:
h=11 m=30
